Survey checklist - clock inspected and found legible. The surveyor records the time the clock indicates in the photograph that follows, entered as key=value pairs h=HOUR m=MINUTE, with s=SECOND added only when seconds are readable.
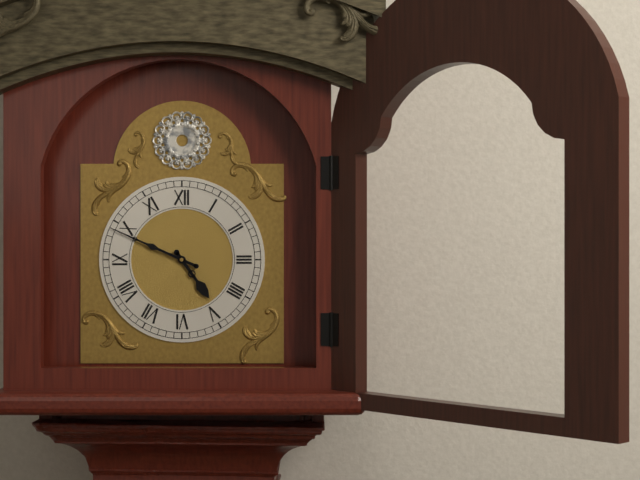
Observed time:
h=4 m=49
